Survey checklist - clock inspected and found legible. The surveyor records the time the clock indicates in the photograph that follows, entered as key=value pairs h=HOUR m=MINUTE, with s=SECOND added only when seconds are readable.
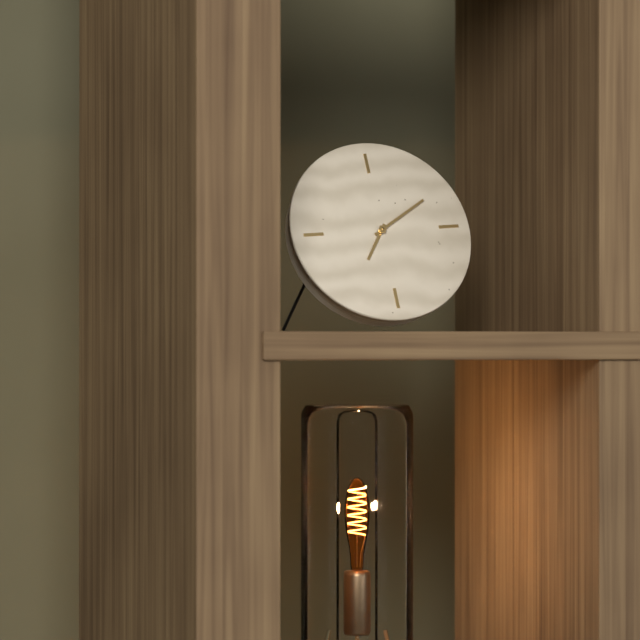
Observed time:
h=7 m=10
